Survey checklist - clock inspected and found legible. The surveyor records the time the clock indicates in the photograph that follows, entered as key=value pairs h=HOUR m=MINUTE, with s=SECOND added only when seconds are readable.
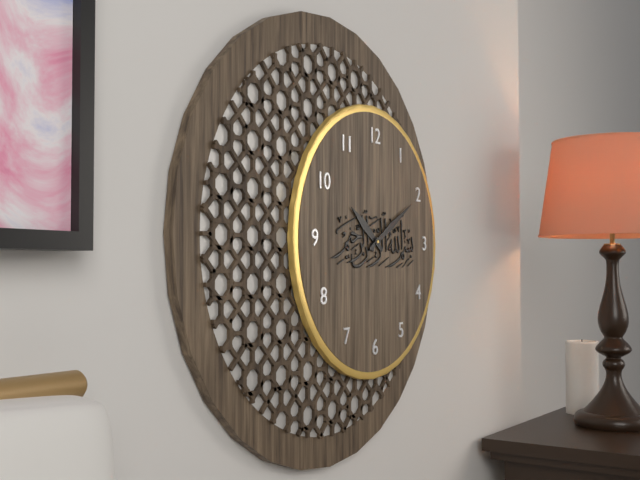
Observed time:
h=10 m=10
